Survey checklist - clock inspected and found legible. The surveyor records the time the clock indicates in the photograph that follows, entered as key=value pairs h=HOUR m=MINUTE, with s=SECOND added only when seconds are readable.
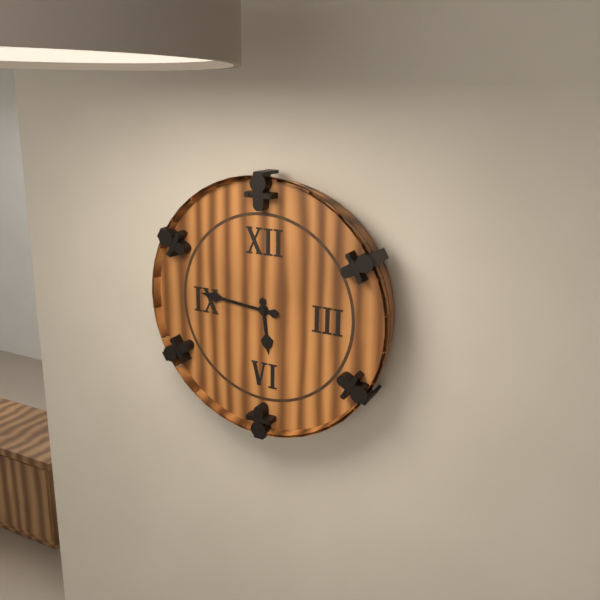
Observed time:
h=5 m=46
